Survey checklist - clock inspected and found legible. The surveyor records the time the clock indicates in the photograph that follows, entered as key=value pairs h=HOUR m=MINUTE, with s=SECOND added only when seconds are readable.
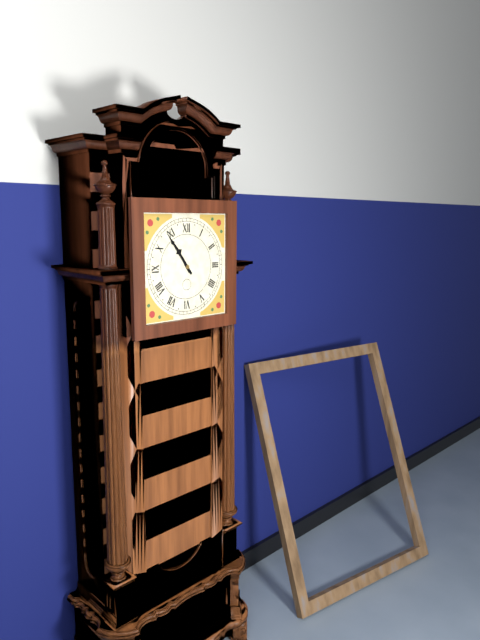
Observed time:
h=10 m=54
